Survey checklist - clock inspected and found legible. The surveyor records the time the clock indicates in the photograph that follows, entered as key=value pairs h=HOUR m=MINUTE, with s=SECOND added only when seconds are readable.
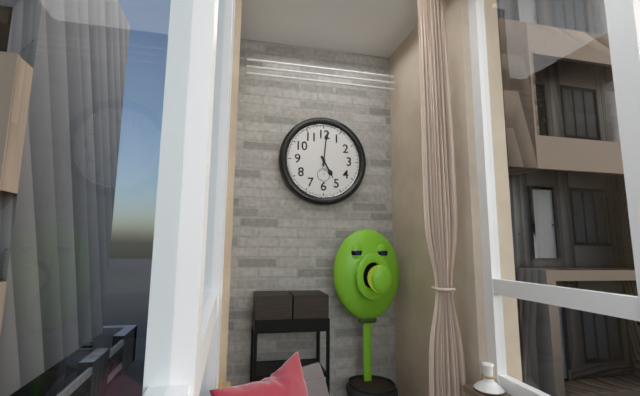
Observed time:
h=5 m=1
